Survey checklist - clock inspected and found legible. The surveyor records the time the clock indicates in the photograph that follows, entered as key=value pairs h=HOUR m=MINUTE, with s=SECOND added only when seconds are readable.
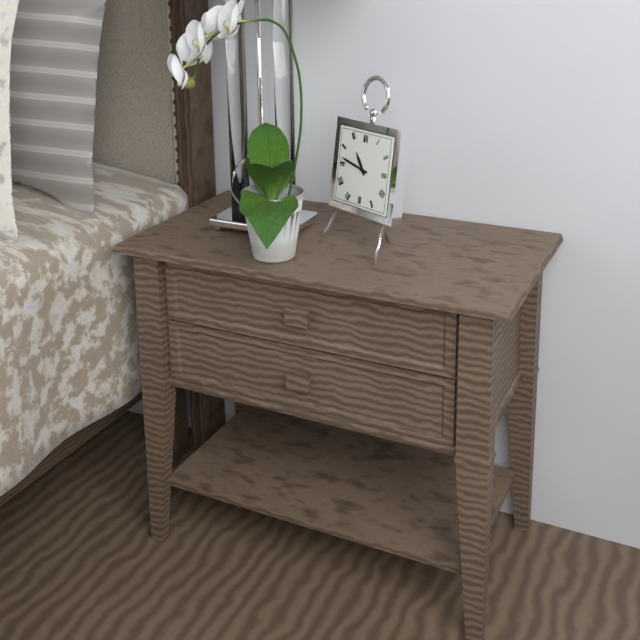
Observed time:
h=10 m=47
